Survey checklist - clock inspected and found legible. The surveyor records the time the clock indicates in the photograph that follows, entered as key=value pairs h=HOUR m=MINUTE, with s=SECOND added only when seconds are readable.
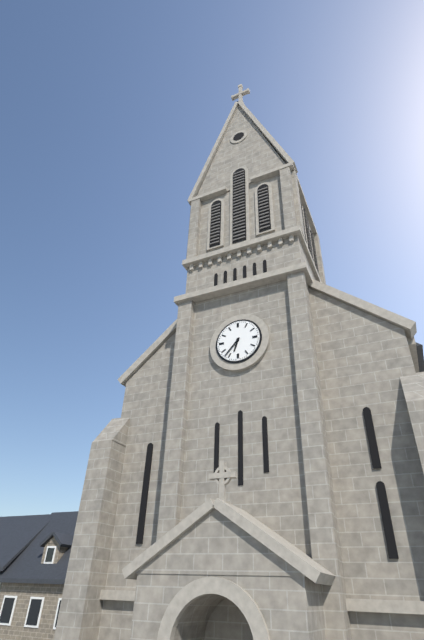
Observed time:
h=6 m=37
